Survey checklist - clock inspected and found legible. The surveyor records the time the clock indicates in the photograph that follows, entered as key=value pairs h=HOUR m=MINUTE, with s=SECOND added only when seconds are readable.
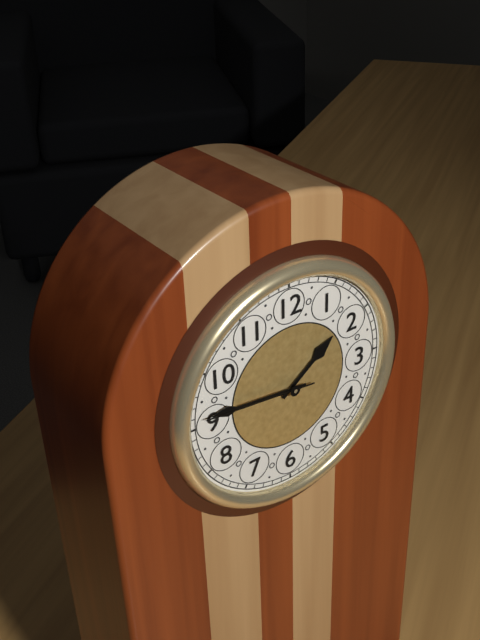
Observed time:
h=1 m=46 s=46
